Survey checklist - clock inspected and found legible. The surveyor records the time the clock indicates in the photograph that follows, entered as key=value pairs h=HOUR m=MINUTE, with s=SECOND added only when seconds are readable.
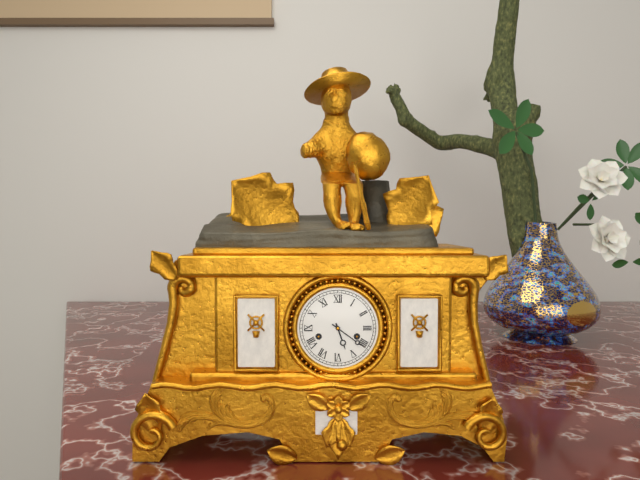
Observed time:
h=5 m=21
